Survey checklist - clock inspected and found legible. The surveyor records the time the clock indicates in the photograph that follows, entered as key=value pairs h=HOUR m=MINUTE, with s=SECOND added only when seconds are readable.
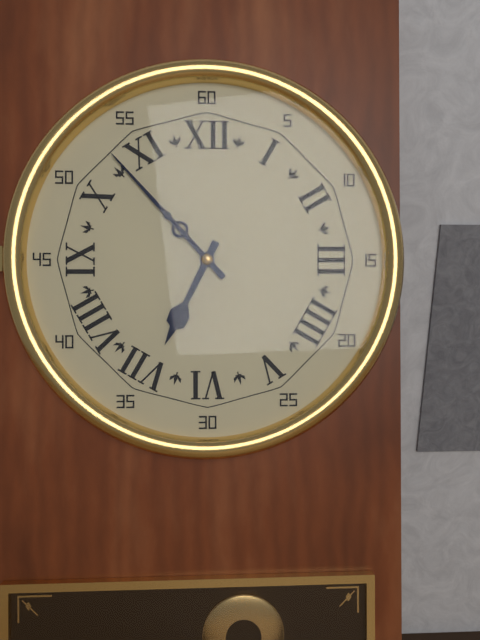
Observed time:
h=6 m=53
